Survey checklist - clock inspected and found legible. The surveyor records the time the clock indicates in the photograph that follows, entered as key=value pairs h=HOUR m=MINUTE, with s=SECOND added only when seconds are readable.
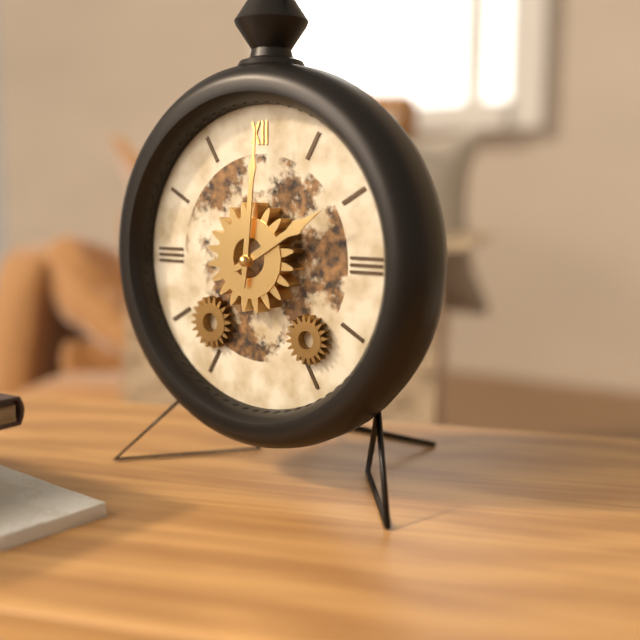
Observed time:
h=2 m=1
